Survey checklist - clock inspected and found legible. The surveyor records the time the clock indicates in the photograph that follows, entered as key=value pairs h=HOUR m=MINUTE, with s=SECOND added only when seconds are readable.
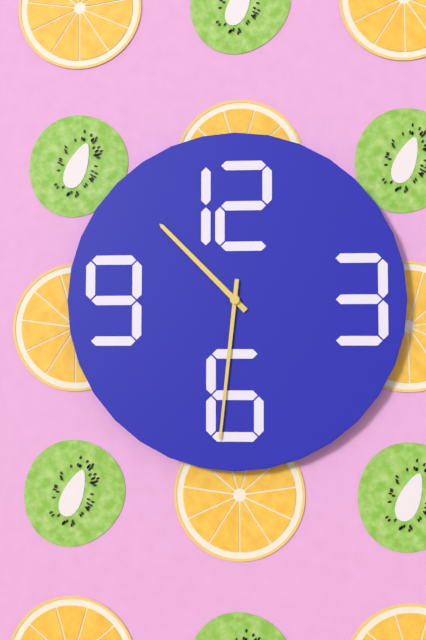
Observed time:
h=10 m=31
